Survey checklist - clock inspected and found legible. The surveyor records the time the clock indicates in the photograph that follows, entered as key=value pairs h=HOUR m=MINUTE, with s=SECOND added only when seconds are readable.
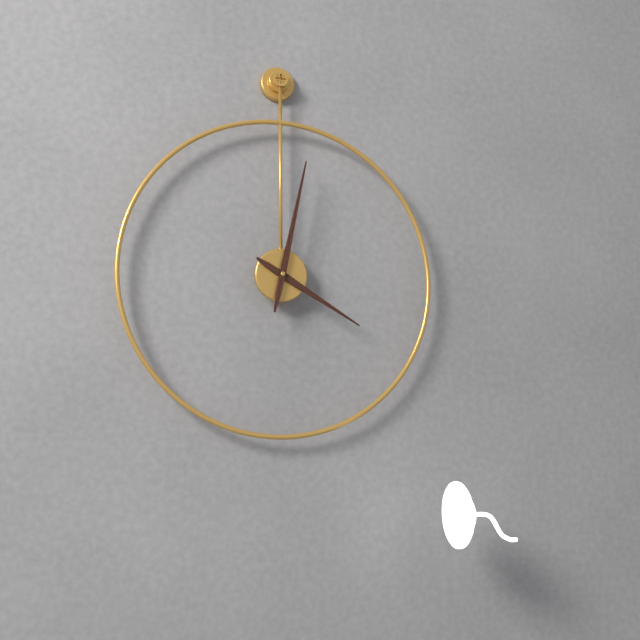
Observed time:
h=4 m=2
